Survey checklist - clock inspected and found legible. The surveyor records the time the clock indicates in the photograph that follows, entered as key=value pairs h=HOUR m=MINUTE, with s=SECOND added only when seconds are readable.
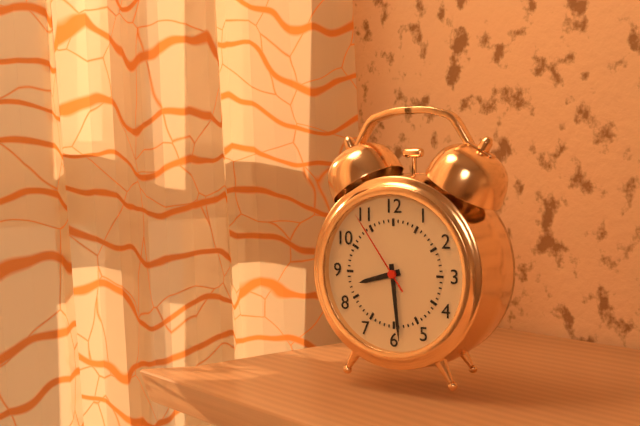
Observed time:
h=8 m=29 s=54
